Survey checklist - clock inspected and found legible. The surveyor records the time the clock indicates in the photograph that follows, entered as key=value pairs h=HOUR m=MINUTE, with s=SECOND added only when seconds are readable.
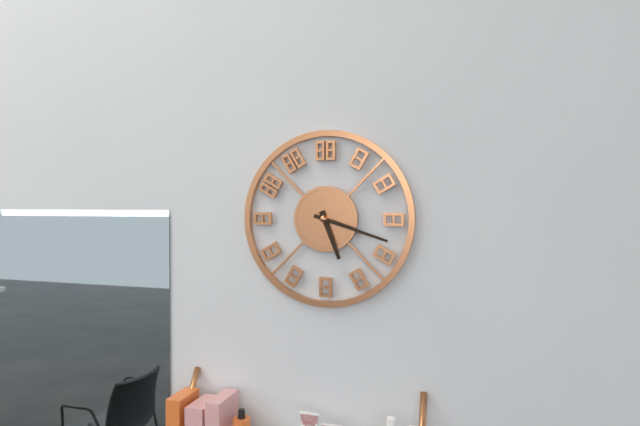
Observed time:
h=5 m=18
